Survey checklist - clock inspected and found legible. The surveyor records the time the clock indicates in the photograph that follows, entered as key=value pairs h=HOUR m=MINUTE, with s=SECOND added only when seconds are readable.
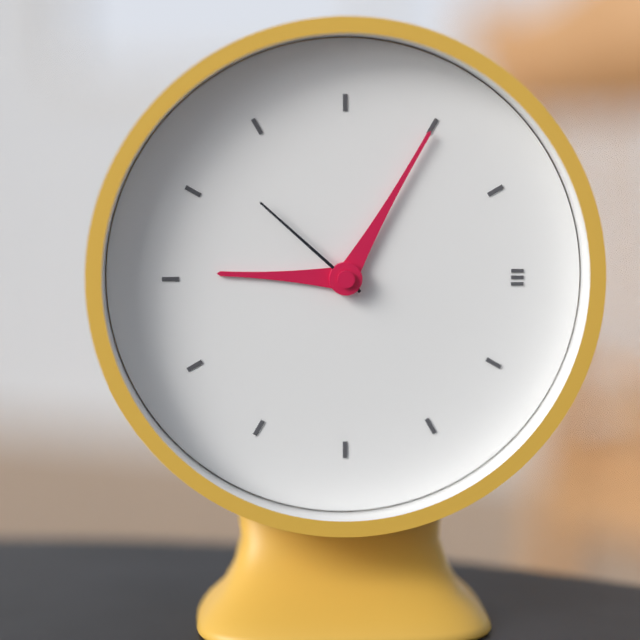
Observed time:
h=9 m=5 s=52
